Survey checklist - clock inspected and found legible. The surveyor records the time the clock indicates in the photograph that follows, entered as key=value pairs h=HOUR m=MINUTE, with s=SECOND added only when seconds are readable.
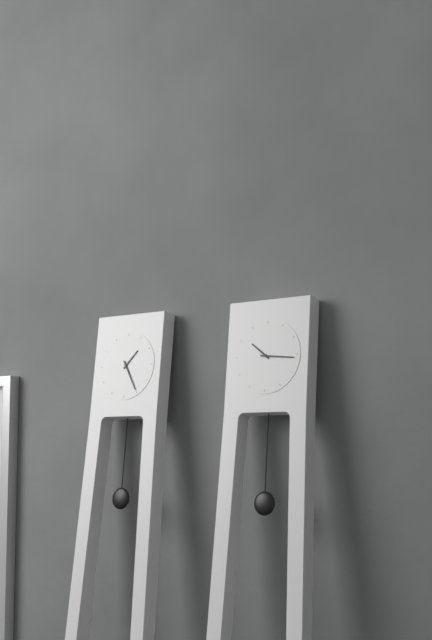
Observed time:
h=1 m=25
